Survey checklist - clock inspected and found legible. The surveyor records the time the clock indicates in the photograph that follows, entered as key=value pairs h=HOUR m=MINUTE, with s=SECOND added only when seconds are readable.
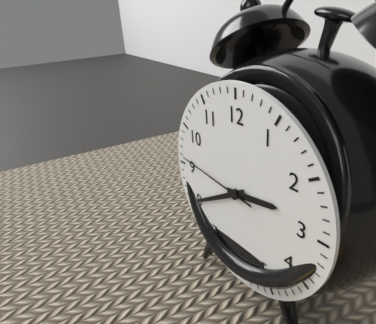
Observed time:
h=2 m=40 s=46
